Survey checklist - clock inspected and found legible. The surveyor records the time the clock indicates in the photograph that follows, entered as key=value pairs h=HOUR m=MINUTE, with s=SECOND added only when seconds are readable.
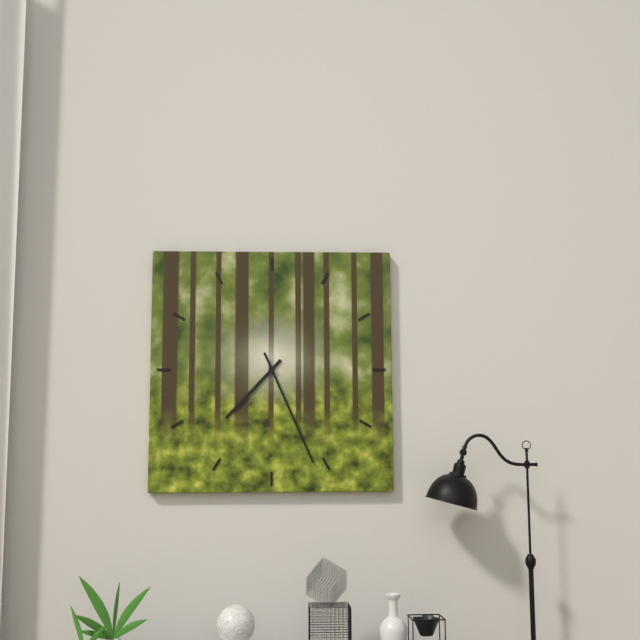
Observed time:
h=7 m=26
